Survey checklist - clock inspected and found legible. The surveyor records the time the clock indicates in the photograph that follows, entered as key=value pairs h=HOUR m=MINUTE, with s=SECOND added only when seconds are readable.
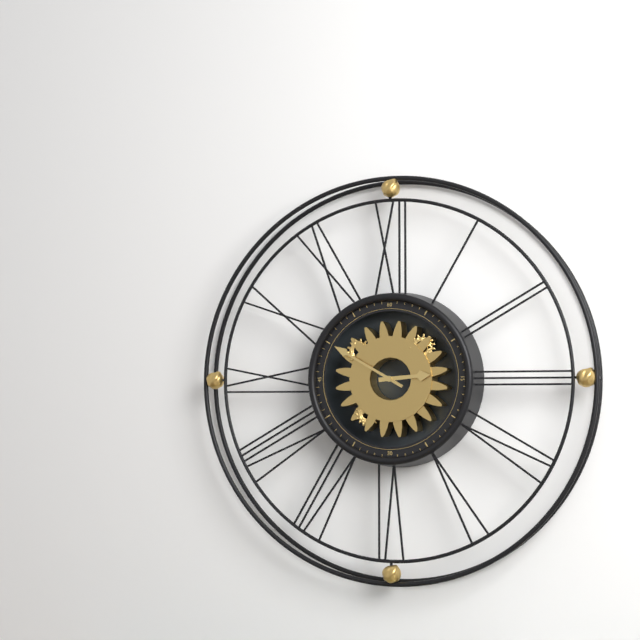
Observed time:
h=2 m=50
